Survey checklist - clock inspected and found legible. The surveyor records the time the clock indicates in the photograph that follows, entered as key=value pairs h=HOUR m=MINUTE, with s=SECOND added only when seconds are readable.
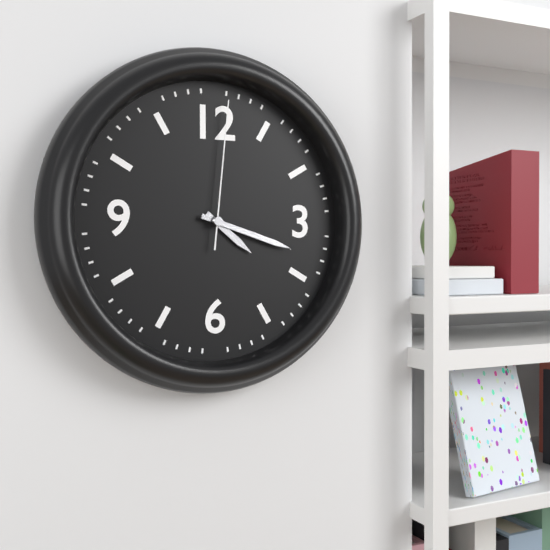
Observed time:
h=4 m=18 s=1
